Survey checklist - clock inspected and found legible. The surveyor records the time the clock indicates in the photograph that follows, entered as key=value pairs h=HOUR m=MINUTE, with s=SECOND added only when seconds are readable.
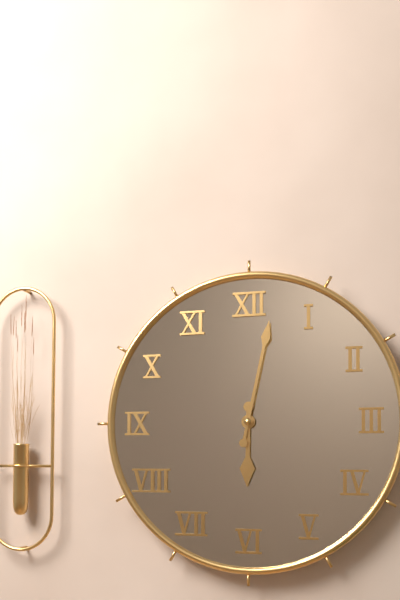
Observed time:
h=6 m=2
